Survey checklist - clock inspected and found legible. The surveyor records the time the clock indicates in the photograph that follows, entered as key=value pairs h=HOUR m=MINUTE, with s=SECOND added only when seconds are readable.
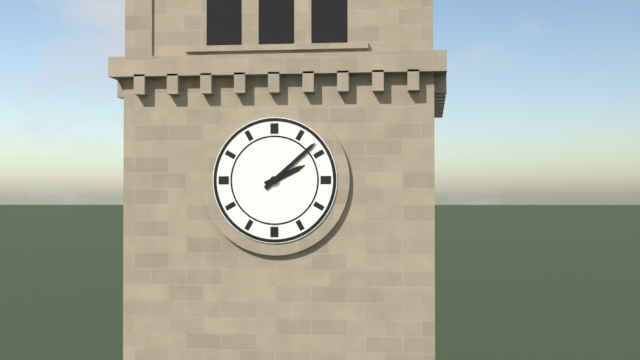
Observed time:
h=2 m=8
